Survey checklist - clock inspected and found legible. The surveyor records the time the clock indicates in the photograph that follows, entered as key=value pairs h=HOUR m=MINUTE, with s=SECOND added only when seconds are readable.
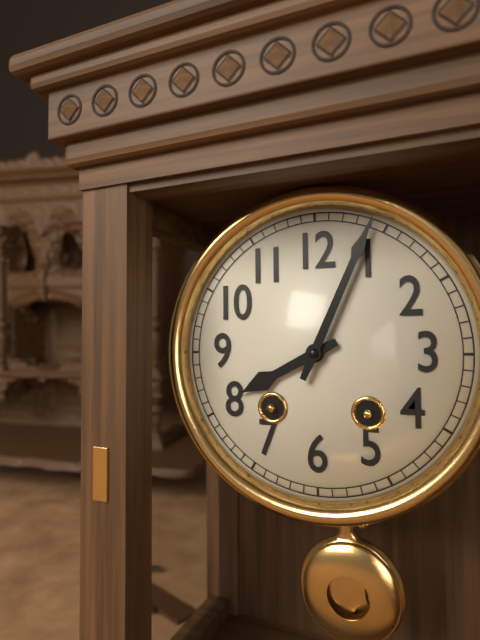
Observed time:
h=8 m=4
